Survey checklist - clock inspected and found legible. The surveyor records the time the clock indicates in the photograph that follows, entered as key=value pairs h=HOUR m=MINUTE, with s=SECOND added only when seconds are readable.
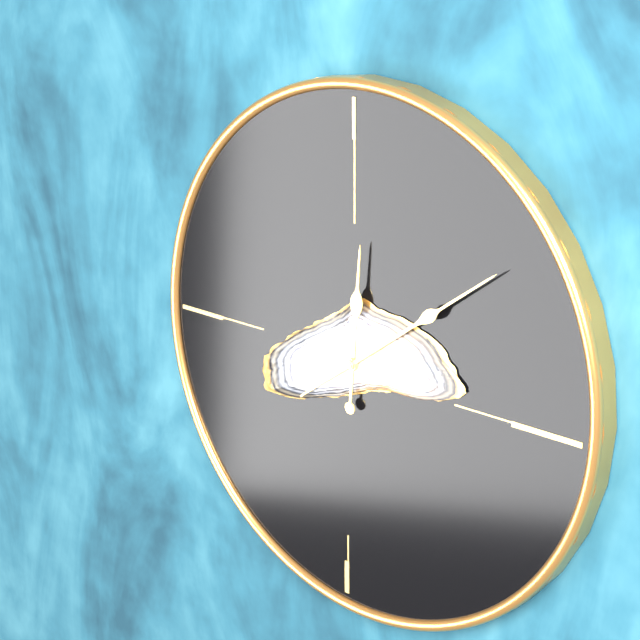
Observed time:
h=12 m=9
